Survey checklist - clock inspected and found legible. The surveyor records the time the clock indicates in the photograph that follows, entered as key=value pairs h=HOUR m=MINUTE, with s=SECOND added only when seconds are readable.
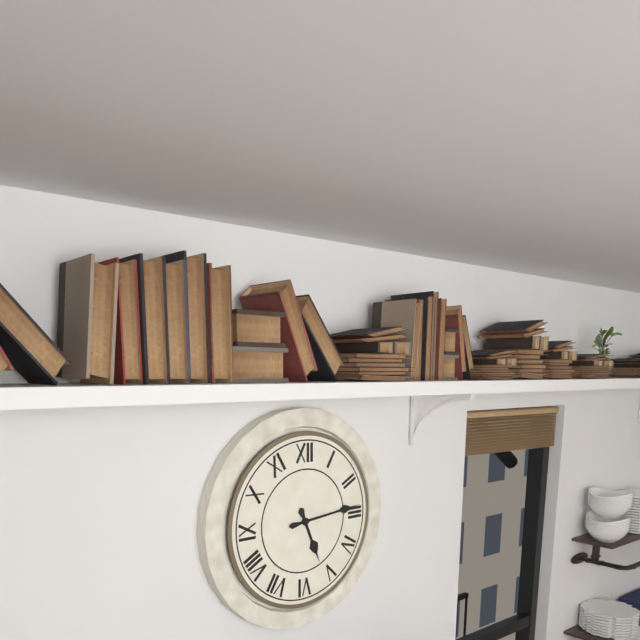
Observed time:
h=5 m=14
